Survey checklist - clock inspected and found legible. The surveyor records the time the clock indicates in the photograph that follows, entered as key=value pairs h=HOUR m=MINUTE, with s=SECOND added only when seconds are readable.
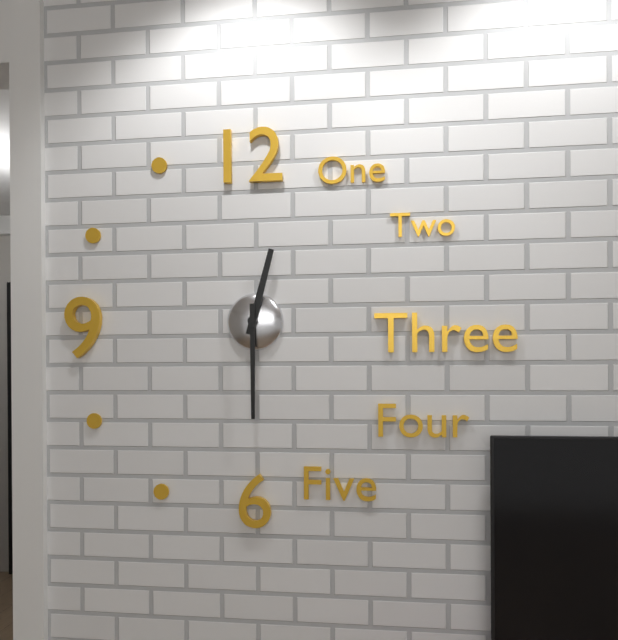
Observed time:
h=12 m=30
